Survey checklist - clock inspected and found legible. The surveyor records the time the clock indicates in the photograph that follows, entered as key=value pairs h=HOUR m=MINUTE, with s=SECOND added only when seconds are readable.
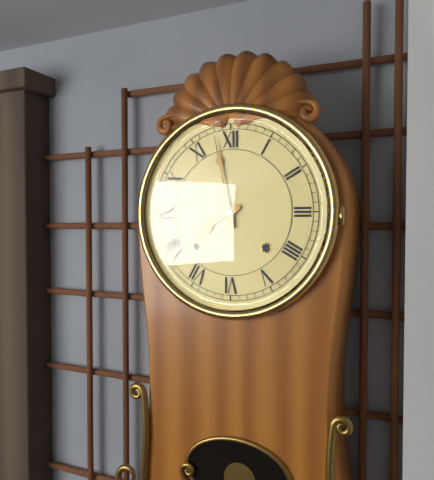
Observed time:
h=7 m=58
